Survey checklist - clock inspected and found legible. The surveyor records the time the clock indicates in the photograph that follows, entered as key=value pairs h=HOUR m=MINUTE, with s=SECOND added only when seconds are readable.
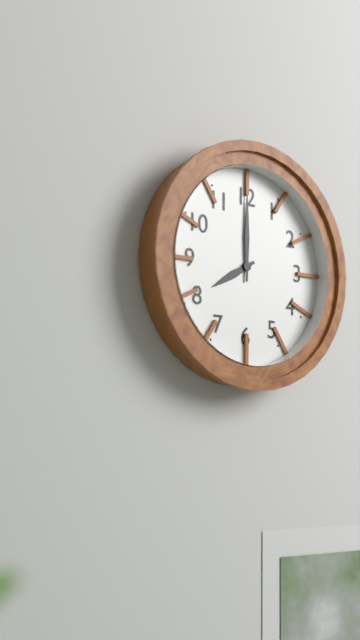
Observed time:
h=8 m=0
